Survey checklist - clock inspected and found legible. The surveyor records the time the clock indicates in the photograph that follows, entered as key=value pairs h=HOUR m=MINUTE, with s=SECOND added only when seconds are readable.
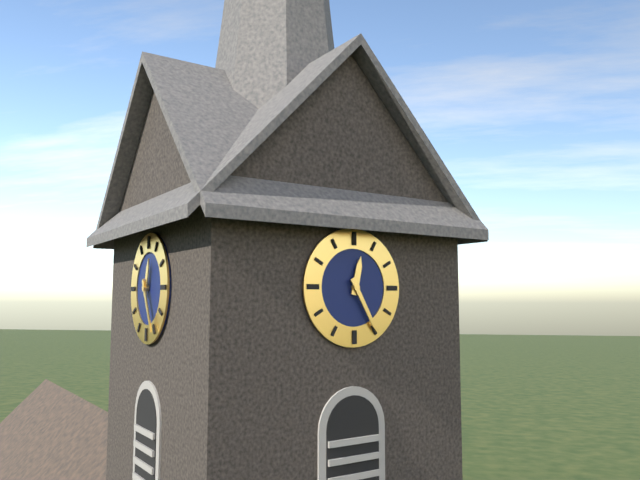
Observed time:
h=12 m=25
